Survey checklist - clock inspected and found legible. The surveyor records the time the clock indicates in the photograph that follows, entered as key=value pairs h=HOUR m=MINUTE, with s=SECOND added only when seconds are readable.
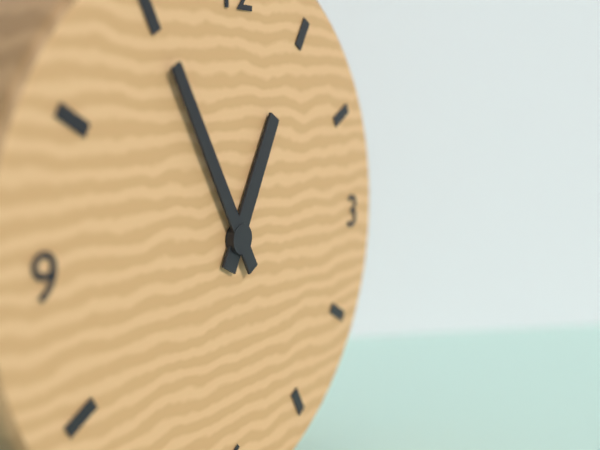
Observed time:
h=12 m=55
